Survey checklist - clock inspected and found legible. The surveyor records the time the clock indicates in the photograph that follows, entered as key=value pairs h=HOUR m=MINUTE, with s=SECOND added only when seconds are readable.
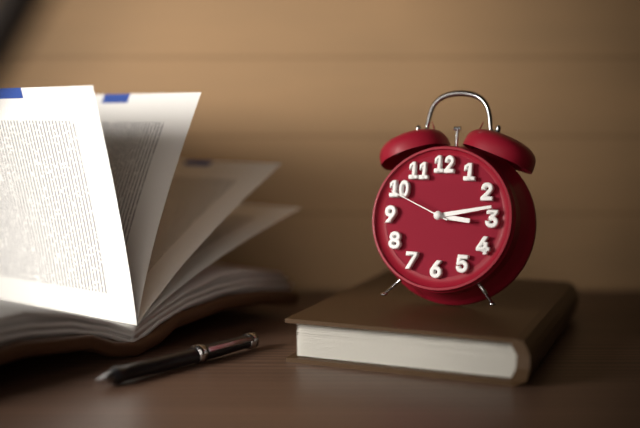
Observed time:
h=3 m=13 s=49
